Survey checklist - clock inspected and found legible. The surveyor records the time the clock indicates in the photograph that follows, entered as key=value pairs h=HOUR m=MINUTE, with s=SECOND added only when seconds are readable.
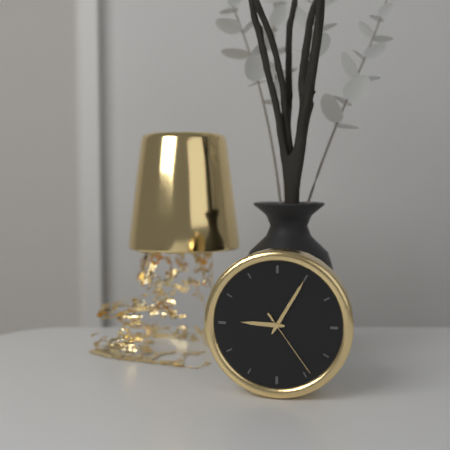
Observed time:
h=9 m=5 s=24
